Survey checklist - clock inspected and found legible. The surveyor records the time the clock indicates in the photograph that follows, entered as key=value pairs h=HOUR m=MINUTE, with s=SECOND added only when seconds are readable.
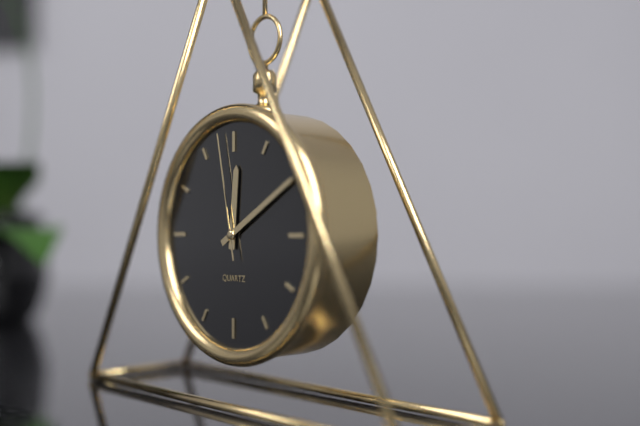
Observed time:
h=12 m=10 s=58
